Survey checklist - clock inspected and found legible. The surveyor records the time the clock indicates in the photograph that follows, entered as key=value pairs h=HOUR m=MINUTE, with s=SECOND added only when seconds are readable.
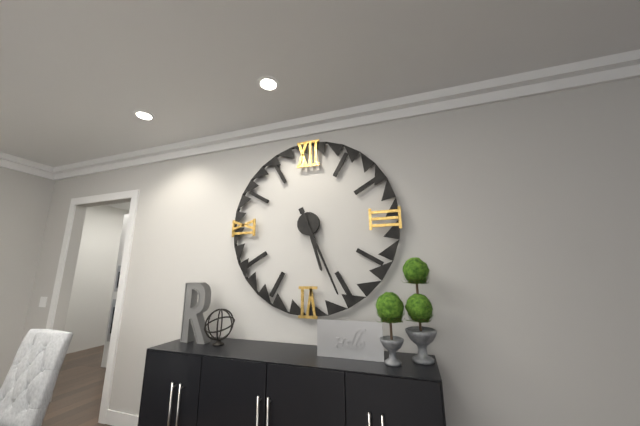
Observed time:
h=5 m=26
